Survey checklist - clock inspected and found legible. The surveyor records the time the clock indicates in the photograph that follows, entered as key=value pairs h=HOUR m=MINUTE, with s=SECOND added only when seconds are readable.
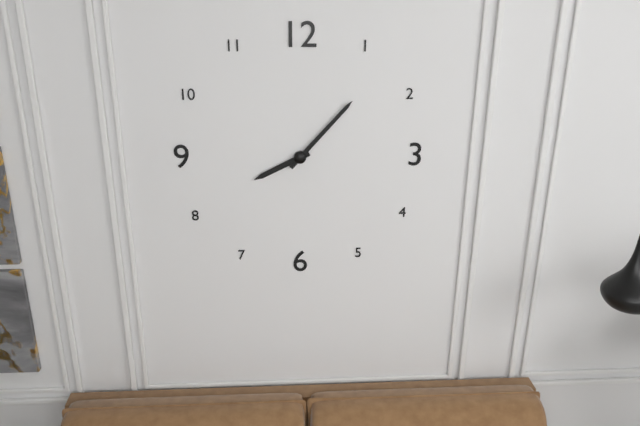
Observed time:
h=8 m=7
